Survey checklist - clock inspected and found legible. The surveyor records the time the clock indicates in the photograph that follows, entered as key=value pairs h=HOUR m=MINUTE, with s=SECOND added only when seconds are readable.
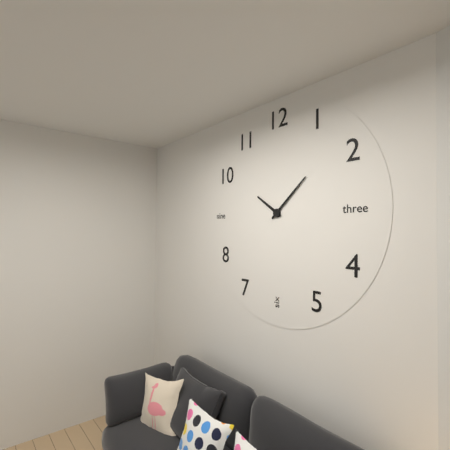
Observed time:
h=10 m=8
